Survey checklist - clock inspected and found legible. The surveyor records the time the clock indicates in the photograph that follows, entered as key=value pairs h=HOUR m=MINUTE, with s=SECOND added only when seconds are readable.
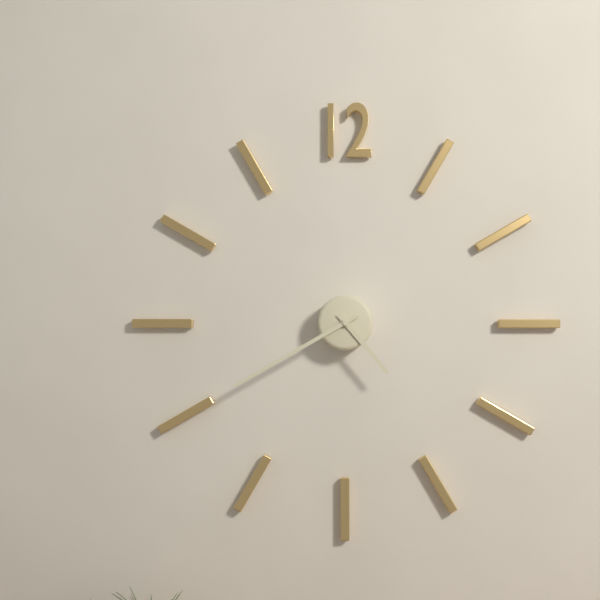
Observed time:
h=4 m=40
